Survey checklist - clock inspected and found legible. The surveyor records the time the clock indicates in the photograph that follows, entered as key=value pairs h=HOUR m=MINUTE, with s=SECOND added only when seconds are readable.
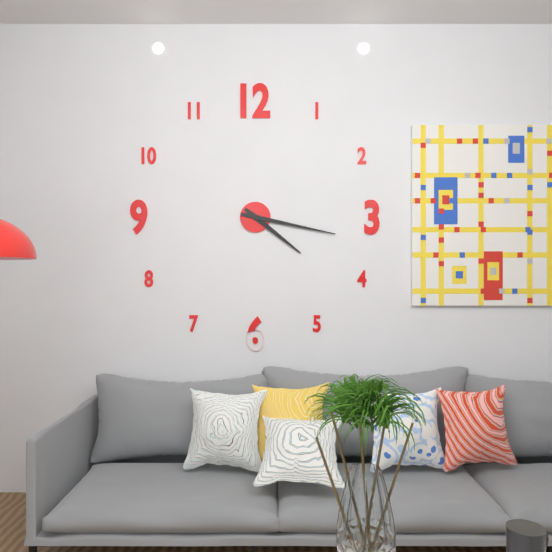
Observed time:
h=4 m=17
